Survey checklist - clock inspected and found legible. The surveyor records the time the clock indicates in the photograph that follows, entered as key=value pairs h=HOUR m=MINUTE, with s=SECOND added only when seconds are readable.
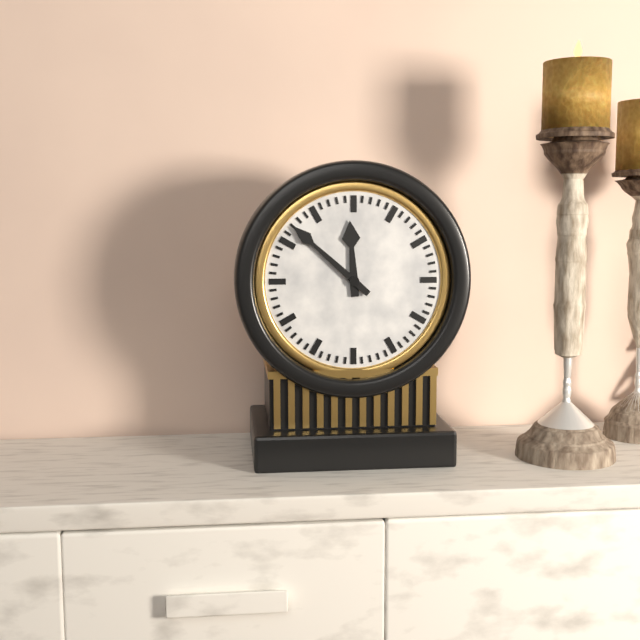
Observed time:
h=11 m=52
